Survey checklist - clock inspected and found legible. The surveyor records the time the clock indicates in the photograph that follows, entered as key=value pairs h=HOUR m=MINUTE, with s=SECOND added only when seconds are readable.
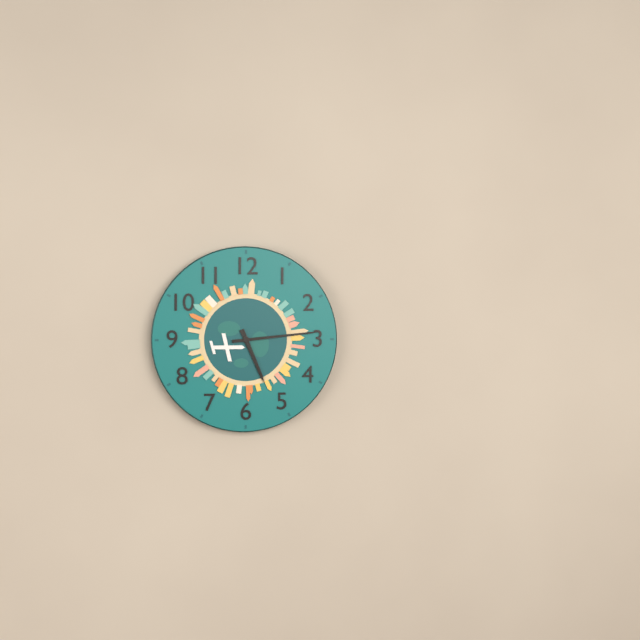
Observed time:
h=5 m=14
